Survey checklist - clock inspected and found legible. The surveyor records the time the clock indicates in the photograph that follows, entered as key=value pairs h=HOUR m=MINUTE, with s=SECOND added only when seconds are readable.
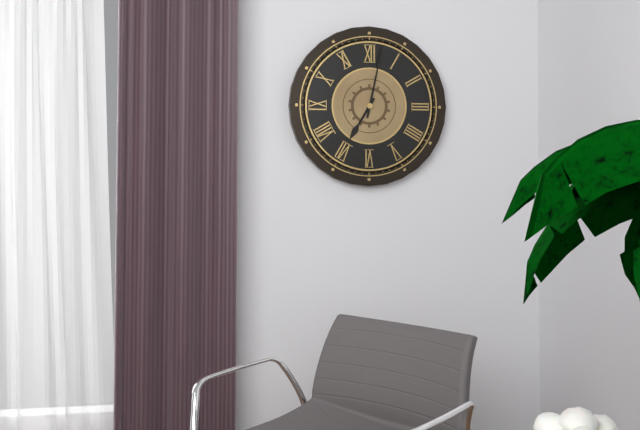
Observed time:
h=7 m=2
